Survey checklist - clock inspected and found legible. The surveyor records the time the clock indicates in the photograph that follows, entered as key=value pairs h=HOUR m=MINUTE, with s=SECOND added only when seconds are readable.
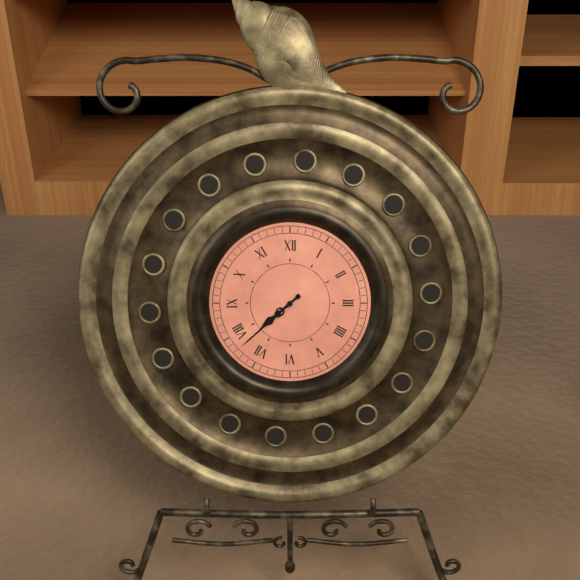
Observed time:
h=7 m=38
